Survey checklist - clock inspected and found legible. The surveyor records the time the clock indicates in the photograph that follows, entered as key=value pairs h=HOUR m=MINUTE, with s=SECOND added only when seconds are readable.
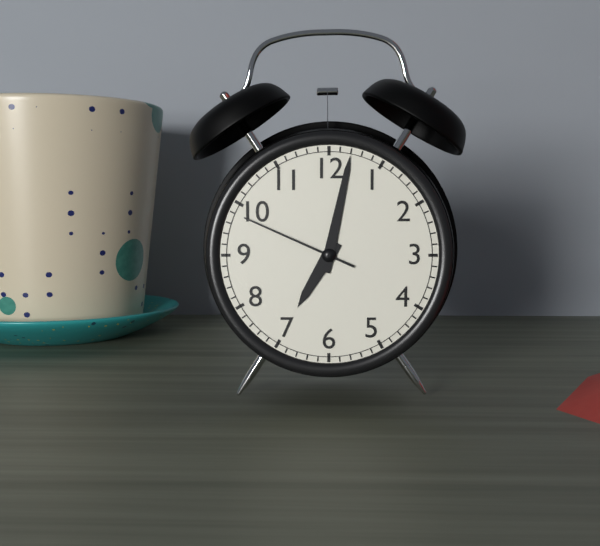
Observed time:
h=7 m=2 s=49
